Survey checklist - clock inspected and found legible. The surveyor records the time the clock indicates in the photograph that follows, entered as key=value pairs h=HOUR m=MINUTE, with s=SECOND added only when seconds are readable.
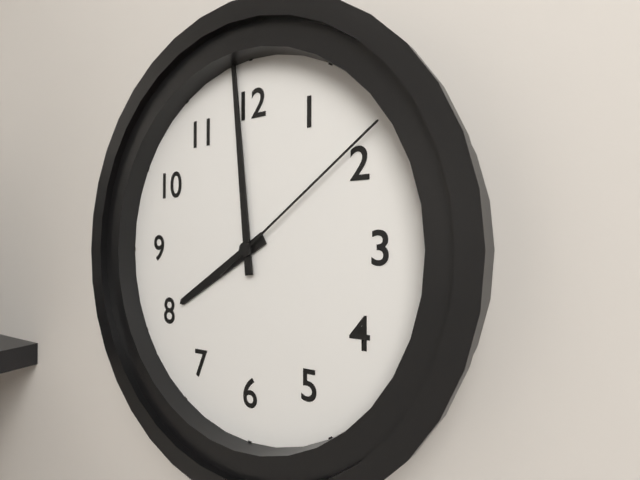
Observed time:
h=7 m=59 s=9
